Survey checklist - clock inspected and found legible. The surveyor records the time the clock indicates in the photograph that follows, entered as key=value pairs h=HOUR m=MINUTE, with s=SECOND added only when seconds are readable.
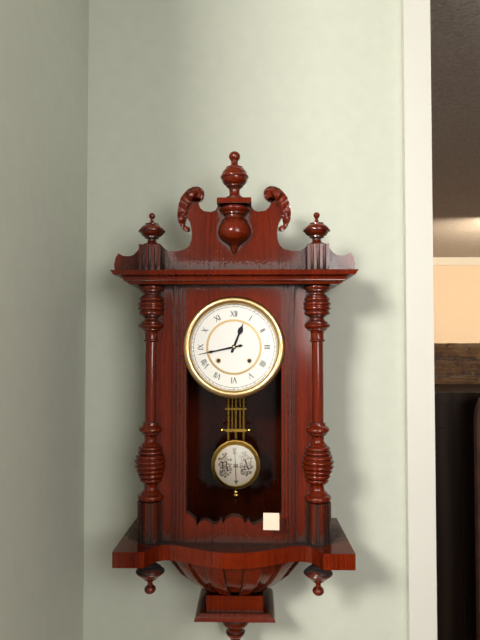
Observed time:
h=12 m=43
